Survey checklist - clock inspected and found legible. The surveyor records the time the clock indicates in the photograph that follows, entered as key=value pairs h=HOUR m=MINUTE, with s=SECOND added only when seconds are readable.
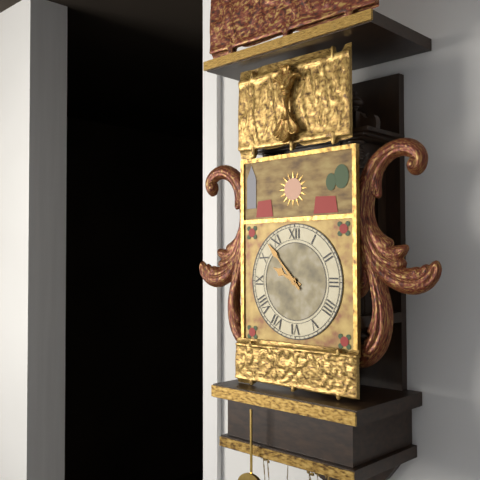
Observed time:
h=9 m=53
